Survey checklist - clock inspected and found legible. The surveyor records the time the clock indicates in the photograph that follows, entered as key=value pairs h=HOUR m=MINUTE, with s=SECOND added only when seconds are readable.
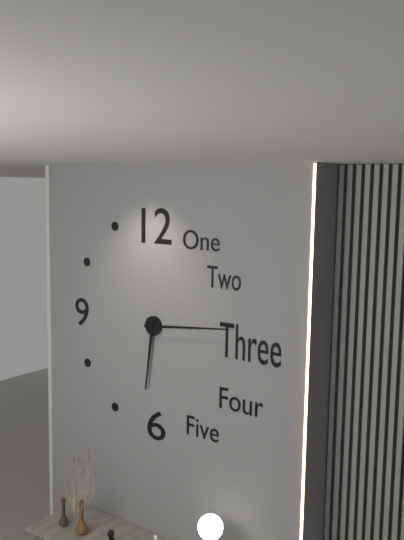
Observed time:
h=6 m=14
